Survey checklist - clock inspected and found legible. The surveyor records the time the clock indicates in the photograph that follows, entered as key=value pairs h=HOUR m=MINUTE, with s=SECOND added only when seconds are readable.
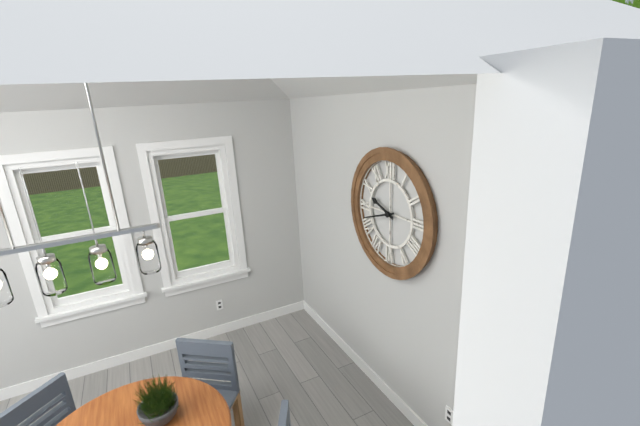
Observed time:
h=9 m=42
